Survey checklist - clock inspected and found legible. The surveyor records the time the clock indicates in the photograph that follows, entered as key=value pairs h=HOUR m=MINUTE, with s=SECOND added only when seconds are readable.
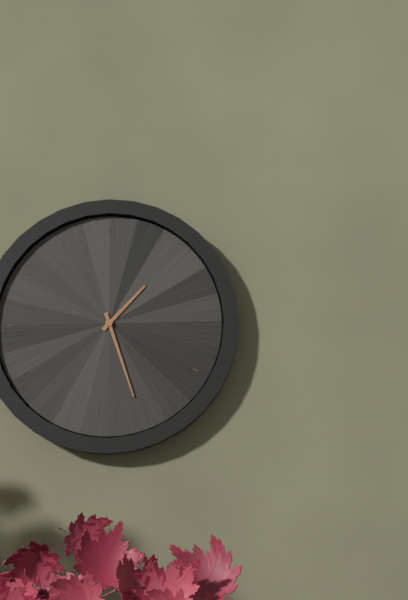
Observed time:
h=1 m=27
